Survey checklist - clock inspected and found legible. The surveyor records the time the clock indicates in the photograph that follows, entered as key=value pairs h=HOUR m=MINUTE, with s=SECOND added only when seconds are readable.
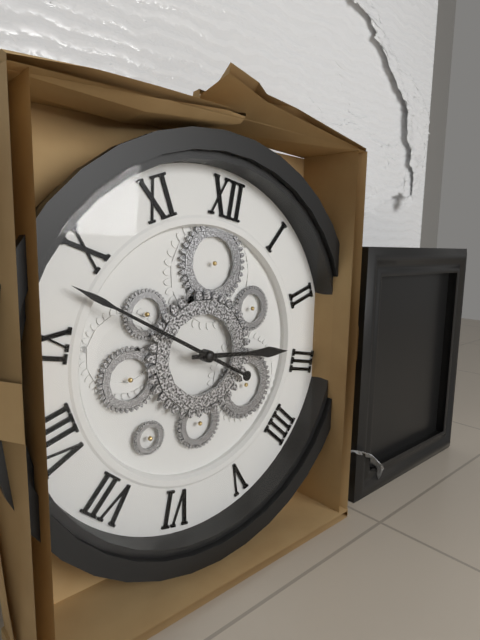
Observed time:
h=2 m=48
